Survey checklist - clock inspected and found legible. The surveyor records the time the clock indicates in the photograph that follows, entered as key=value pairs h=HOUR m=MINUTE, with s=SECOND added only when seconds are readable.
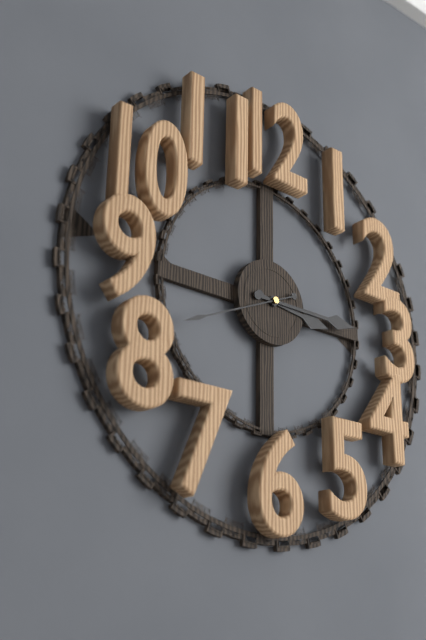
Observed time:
h=3 m=15 s=41
